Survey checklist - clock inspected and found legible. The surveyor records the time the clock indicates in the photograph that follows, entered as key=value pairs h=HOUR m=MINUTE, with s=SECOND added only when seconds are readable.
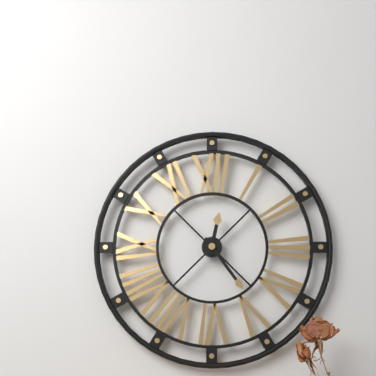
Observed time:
h=12 m=24
